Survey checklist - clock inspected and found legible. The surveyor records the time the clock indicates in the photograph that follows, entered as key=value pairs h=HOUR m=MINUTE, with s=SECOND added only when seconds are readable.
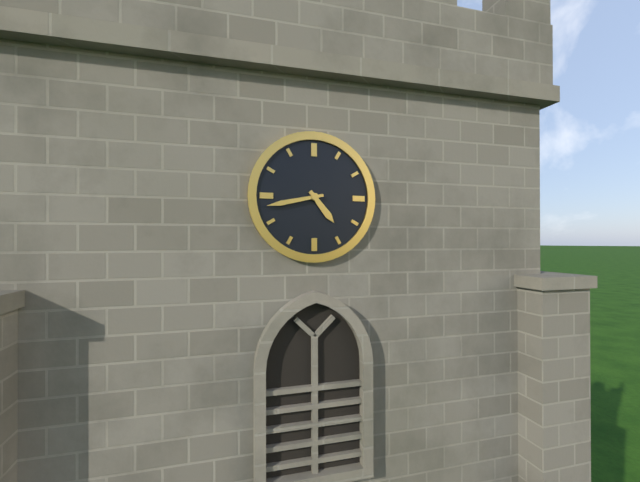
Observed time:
h=4 m=43
